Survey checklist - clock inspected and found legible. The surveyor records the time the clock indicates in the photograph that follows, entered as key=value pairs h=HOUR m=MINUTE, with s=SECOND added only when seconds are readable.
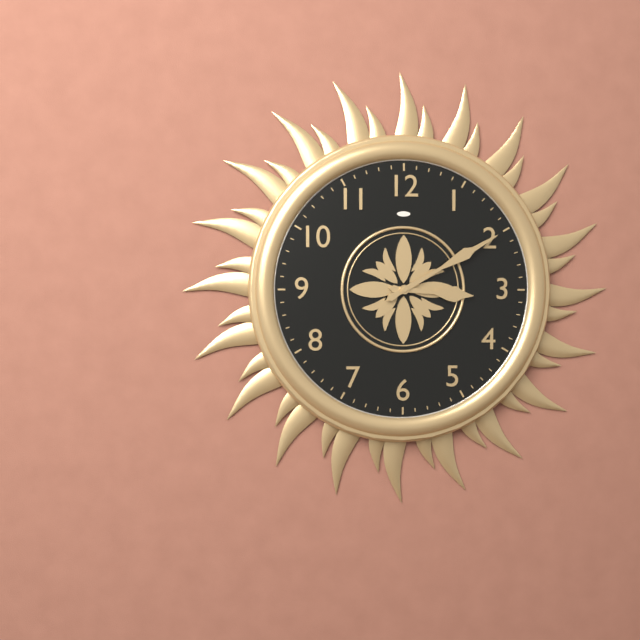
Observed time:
h=3 m=10
